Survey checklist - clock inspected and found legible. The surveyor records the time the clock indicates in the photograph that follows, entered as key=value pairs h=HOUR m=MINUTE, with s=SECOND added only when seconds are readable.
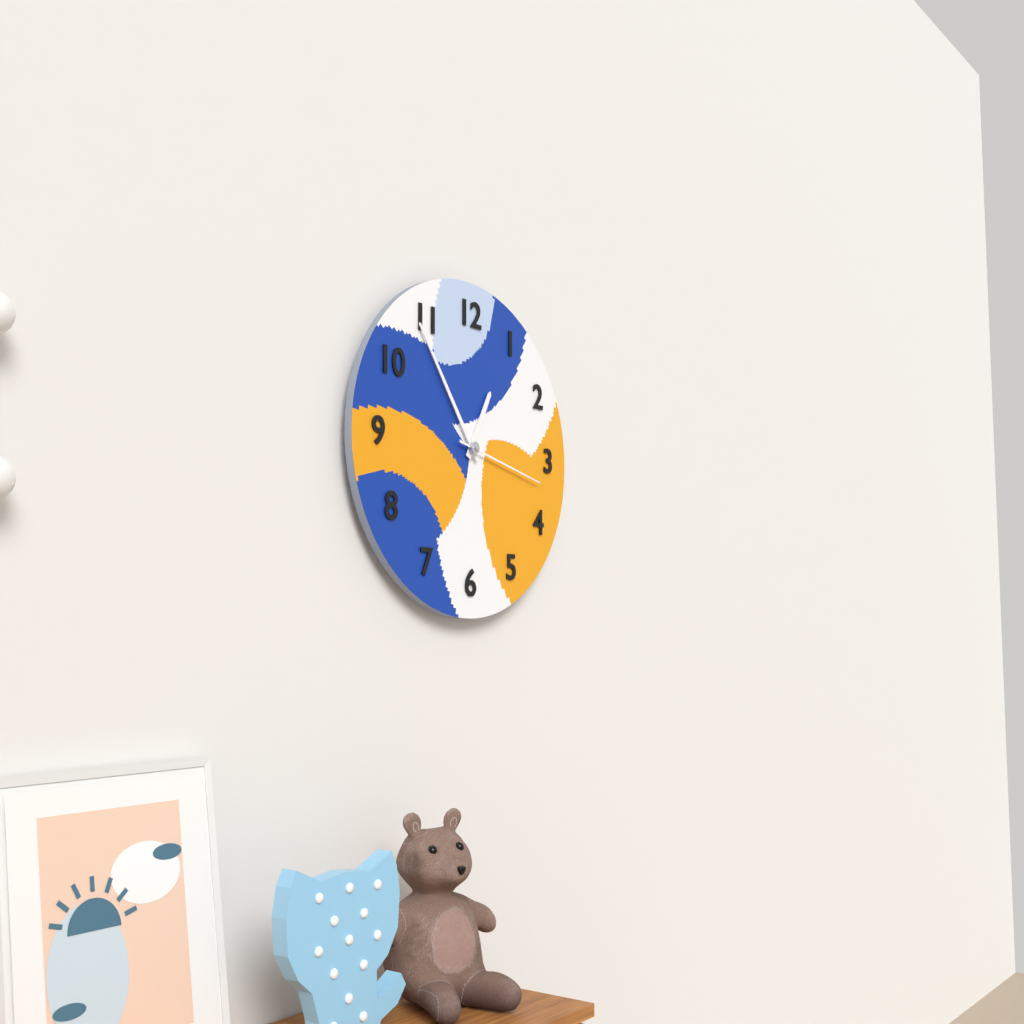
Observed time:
h=12 m=54 s=17
